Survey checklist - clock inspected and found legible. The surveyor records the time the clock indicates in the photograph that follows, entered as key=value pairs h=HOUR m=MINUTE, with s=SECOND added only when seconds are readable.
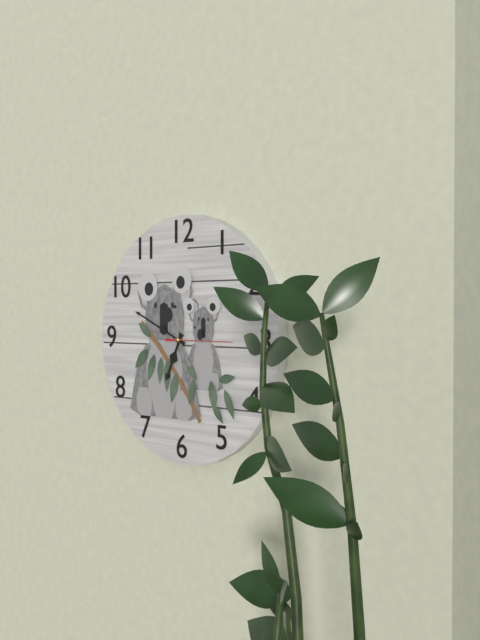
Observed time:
h=6 m=49 s=15
